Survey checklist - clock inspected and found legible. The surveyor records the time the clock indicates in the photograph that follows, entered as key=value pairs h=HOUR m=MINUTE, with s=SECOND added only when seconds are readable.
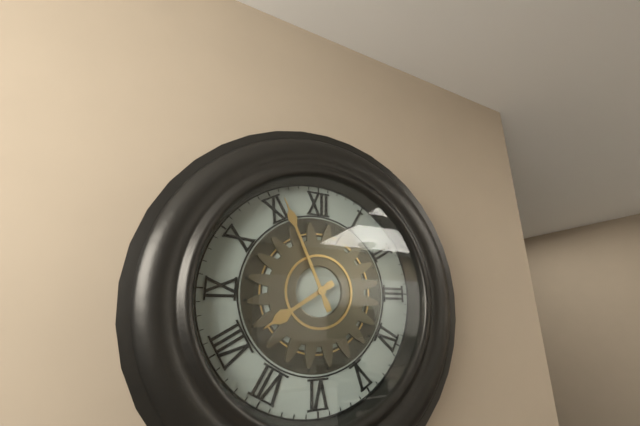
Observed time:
h=7 m=56
